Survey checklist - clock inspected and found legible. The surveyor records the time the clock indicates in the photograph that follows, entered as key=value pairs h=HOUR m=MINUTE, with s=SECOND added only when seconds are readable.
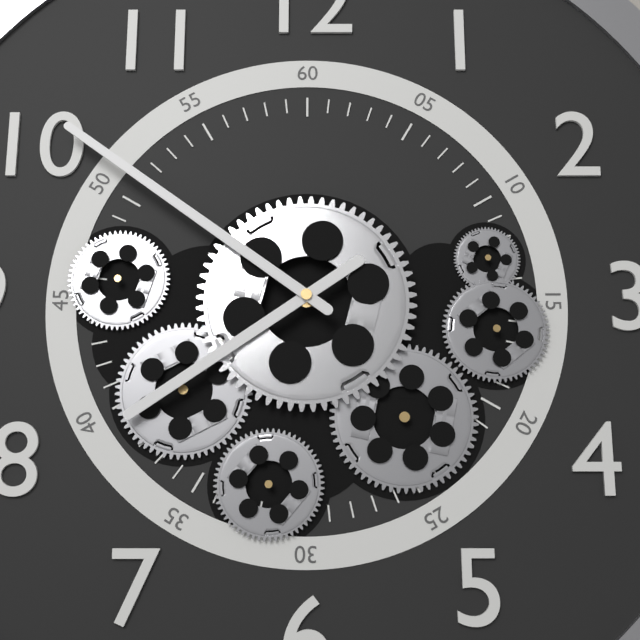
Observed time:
h=7 m=51
